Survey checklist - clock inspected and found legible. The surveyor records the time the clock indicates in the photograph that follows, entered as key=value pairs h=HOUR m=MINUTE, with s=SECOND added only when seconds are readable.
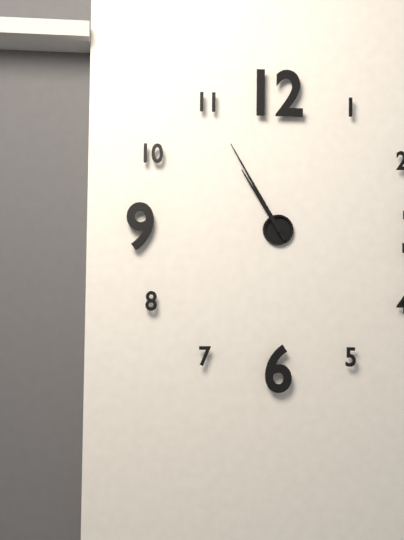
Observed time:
h=10 m=55
